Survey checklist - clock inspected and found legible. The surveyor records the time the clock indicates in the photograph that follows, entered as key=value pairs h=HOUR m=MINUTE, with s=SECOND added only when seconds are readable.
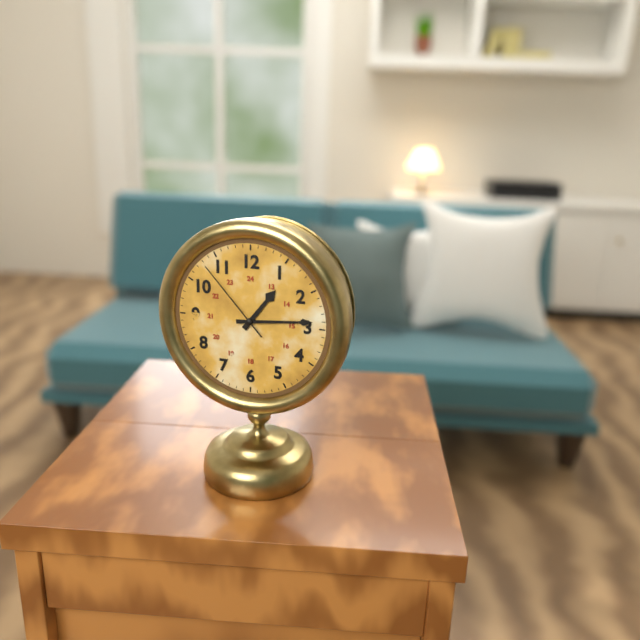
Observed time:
h=1 m=14 s=53
